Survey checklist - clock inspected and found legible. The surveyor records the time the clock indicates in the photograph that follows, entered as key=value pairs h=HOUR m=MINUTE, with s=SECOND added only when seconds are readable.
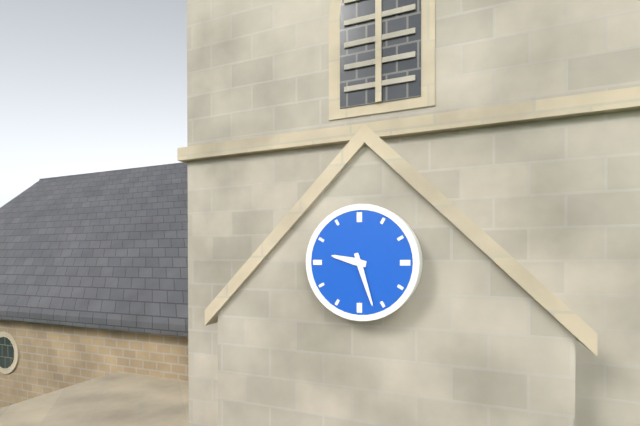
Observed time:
h=9 m=27
